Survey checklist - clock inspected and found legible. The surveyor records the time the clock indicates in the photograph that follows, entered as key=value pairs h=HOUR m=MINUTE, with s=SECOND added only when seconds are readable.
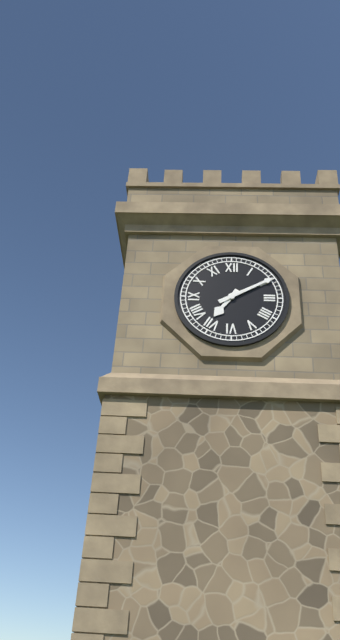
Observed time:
h=7 m=10
